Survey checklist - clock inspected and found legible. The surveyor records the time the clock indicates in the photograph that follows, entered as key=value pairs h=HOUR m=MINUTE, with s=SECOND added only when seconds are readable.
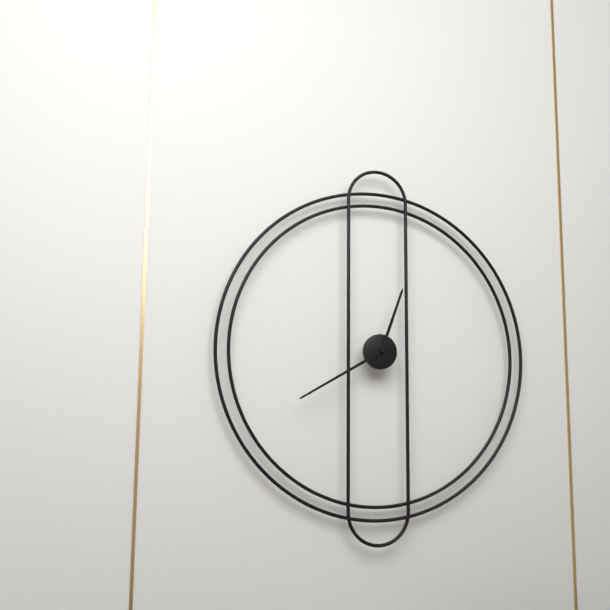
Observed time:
h=12 m=40
